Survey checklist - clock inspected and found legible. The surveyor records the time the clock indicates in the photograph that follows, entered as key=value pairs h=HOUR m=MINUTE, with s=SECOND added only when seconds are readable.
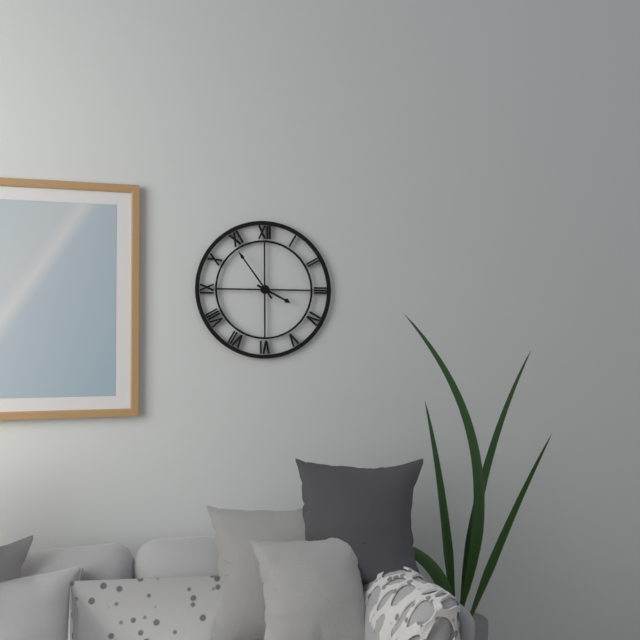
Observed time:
h=3 m=54
